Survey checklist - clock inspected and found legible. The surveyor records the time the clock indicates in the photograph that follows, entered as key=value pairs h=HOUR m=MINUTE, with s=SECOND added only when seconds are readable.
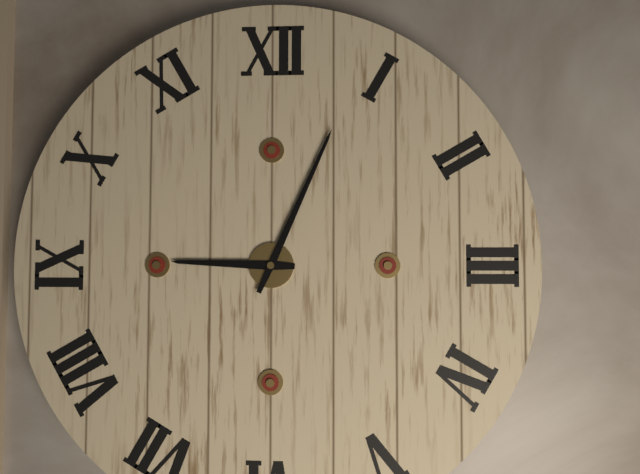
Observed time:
h=9 m=4
